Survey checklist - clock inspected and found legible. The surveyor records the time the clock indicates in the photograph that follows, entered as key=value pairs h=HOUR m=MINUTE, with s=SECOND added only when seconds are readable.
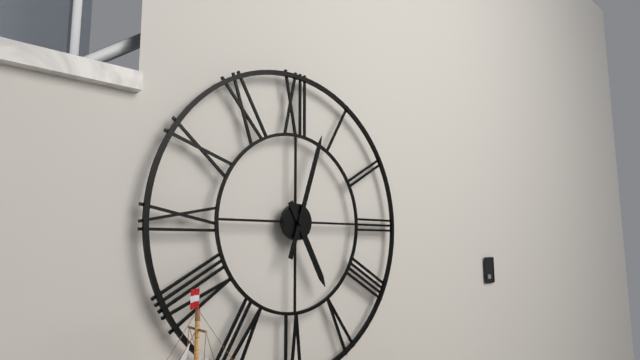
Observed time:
h=5 m=3
